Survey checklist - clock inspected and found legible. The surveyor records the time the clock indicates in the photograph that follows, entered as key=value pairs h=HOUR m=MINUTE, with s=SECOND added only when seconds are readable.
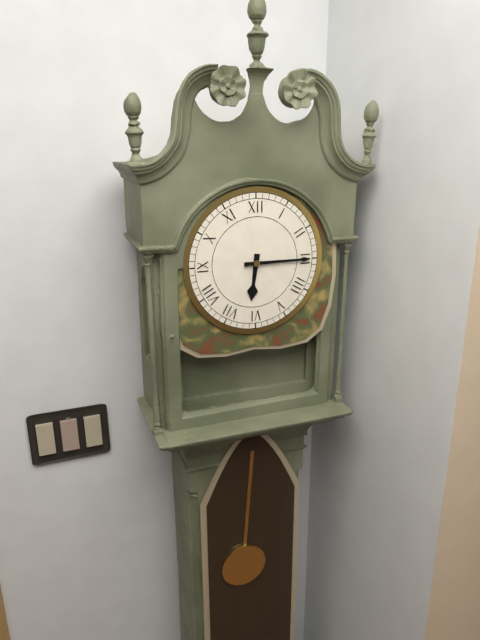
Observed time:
h=6 m=15
